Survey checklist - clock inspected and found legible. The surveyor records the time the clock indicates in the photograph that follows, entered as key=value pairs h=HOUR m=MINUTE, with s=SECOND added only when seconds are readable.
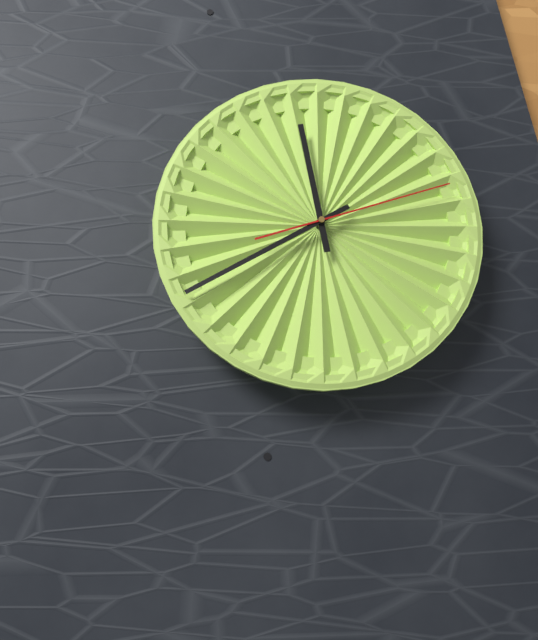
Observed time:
h=11 m=40 s=12
